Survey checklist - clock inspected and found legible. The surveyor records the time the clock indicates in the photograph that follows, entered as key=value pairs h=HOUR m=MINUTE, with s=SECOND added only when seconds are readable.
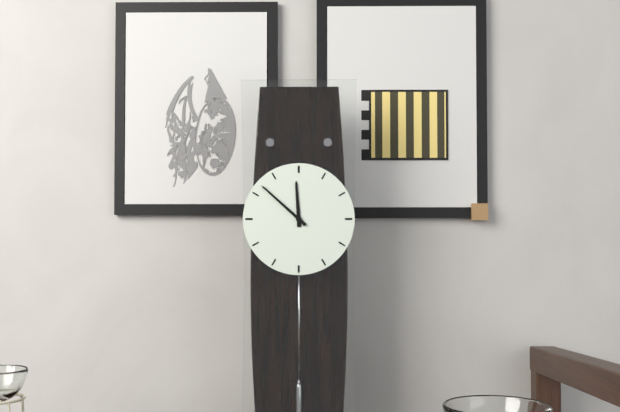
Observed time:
h=11 m=52
